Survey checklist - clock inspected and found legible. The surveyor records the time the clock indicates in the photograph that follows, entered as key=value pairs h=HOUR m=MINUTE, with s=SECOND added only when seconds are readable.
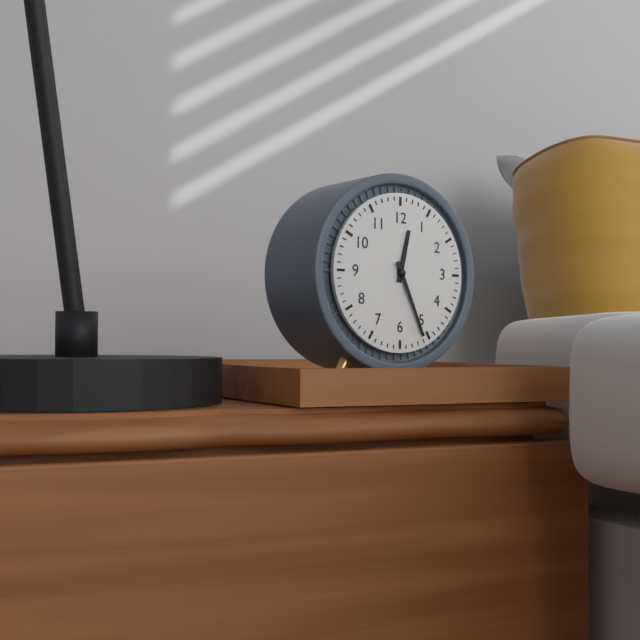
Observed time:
h=12 m=26
